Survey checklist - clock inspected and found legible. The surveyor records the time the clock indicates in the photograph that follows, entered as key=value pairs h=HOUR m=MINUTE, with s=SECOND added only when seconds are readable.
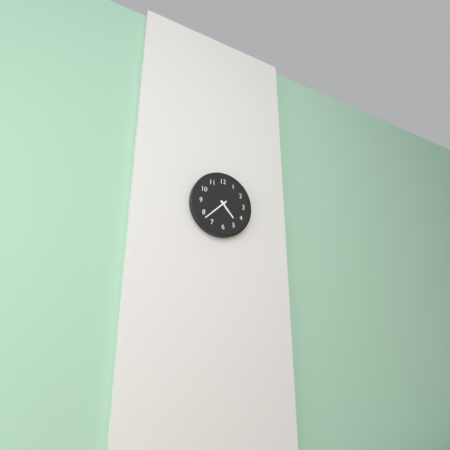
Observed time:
h=4 m=38
